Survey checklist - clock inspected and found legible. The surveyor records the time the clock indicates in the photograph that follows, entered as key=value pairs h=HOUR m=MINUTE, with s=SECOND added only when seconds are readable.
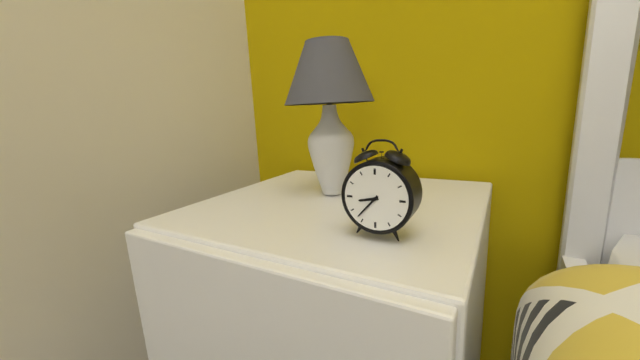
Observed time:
h=8 m=37
